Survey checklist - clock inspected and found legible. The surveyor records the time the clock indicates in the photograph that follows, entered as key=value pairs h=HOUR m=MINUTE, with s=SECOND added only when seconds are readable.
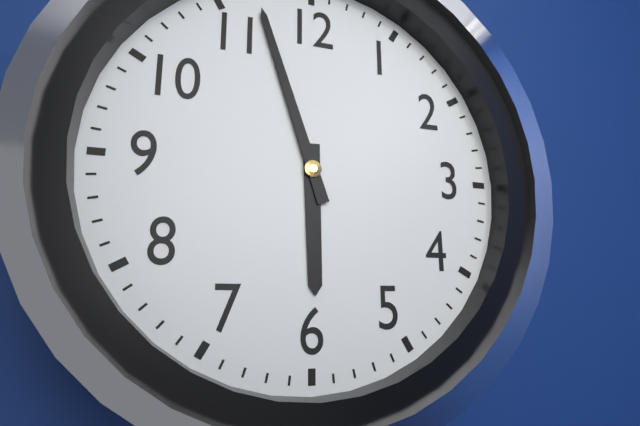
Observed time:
h=5 m=57
